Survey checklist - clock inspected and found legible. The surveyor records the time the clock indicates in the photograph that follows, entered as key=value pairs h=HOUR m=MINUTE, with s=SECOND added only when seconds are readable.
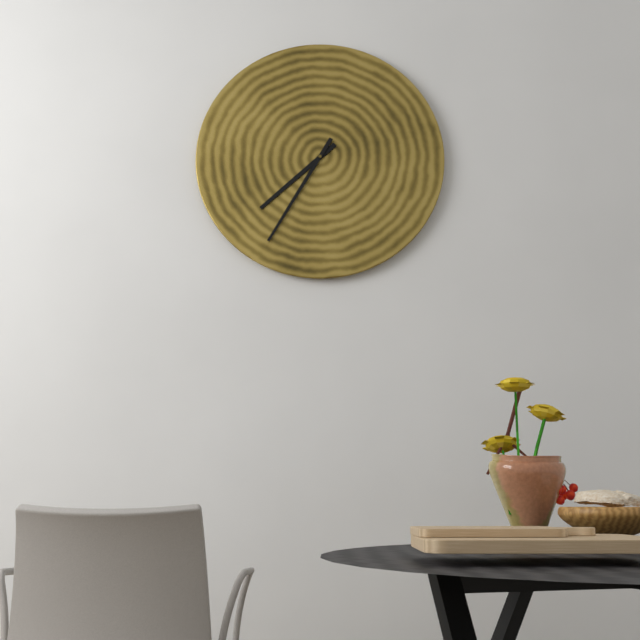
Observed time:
h=7 m=35
